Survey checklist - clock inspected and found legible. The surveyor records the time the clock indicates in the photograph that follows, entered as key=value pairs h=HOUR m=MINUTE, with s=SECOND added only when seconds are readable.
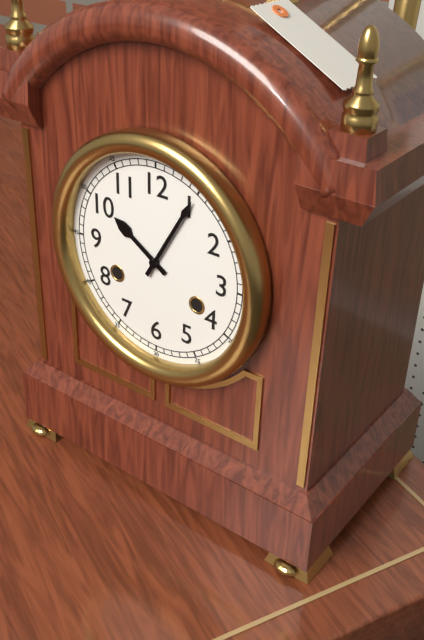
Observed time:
h=10 m=5
